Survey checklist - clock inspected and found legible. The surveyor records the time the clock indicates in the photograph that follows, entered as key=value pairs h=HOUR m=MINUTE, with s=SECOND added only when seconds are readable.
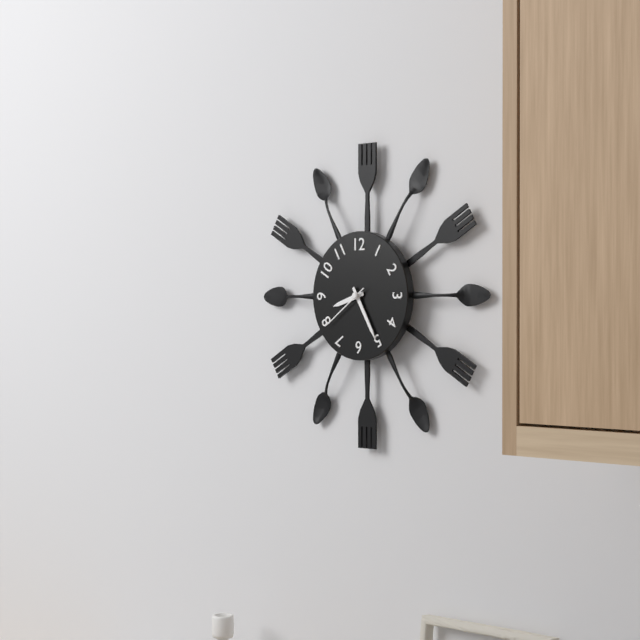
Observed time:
h=8 m=25 s=39
